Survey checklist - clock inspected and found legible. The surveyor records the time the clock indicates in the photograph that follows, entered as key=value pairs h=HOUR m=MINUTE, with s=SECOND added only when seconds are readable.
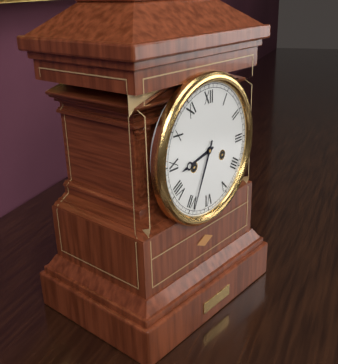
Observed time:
h=8 m=34
